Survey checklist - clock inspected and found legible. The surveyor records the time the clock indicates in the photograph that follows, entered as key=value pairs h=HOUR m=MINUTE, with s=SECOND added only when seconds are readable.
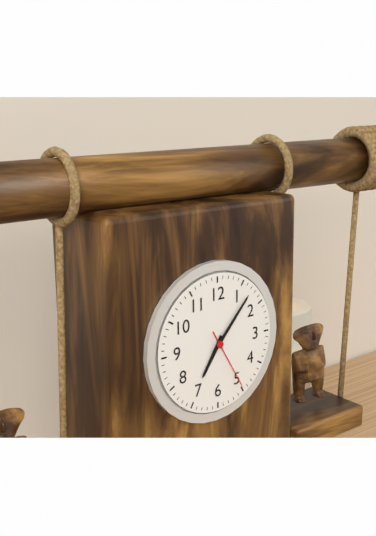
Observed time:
h=7 m=7 s=25
